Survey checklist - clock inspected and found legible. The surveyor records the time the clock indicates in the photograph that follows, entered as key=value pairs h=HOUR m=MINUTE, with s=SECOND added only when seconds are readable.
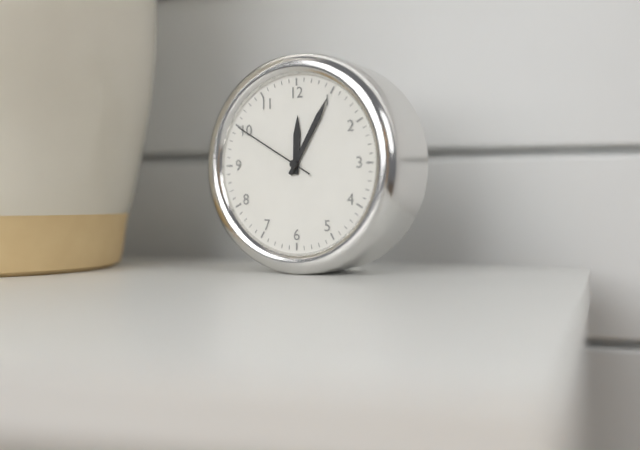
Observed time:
h=12 m=5 s=50
